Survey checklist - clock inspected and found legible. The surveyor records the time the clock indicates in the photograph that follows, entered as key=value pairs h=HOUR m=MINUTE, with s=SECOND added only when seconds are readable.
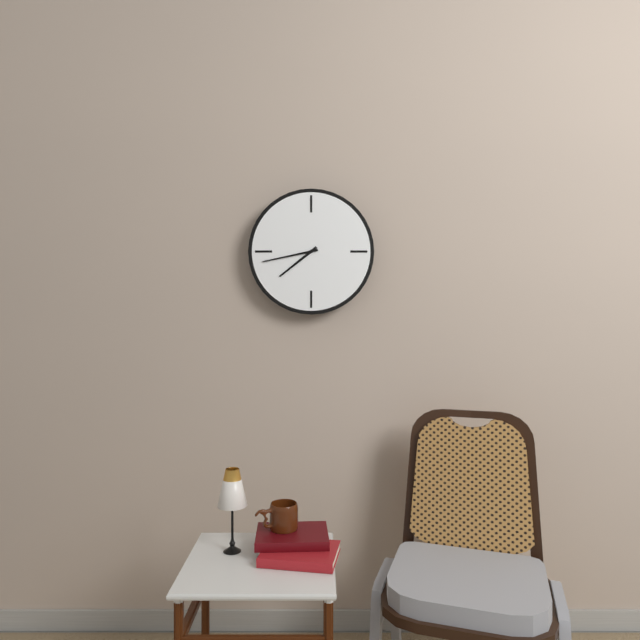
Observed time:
h=7 m=43
